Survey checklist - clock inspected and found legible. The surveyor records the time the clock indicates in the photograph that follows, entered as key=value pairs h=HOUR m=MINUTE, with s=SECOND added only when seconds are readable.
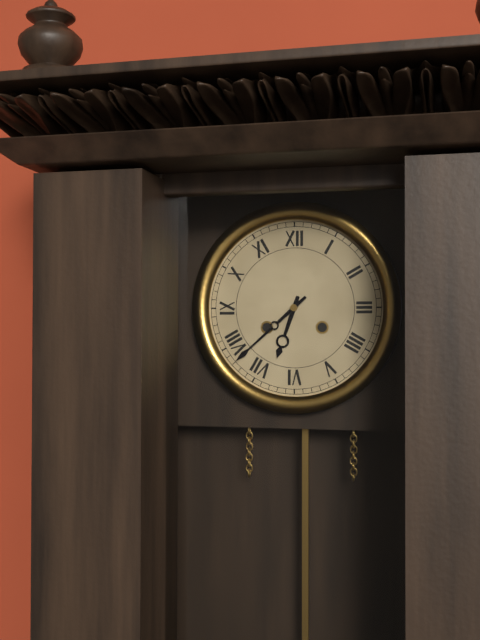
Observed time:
h=6 m=38
